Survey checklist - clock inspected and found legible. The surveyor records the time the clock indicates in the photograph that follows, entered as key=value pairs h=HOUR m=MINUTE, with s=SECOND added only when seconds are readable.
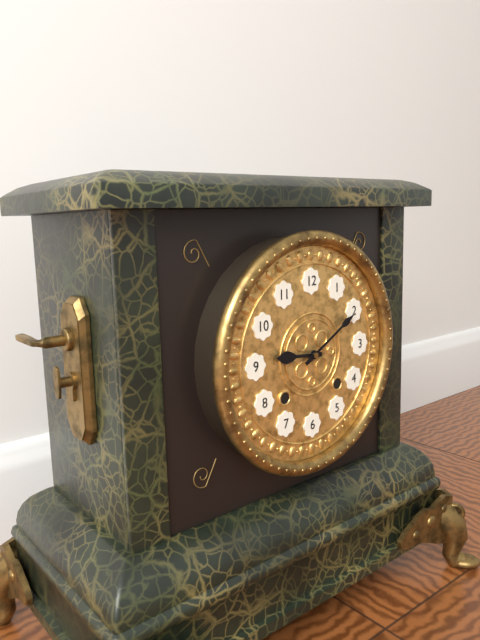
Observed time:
h=9 m=10
